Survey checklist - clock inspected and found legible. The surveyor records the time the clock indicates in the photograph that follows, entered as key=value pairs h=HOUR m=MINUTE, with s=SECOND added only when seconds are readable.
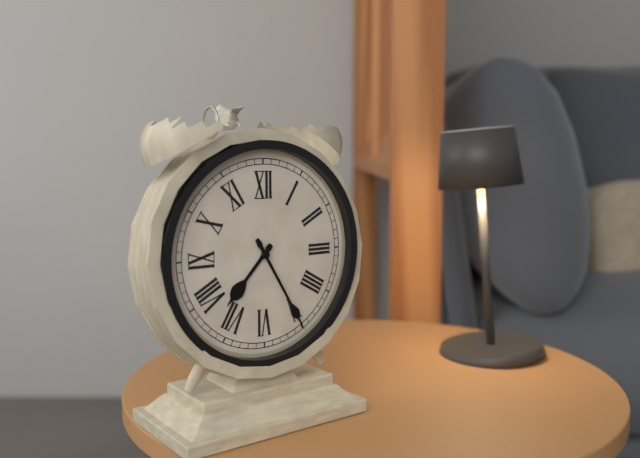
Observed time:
h=7 m=25
